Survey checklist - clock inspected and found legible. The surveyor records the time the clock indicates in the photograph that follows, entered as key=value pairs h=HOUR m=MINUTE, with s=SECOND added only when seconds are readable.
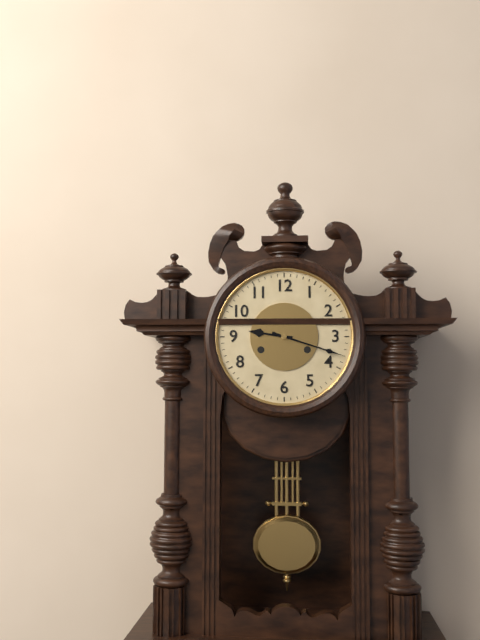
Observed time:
h=9 m=18
